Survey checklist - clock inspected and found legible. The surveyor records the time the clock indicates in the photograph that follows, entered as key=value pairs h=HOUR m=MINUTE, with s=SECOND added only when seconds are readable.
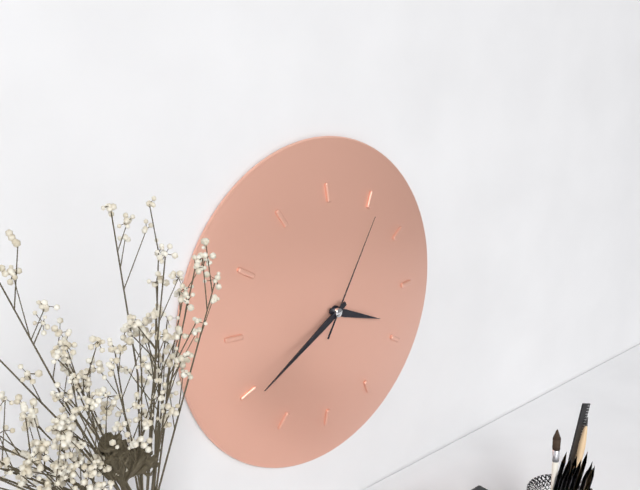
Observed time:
h=3 m=40 s=5
